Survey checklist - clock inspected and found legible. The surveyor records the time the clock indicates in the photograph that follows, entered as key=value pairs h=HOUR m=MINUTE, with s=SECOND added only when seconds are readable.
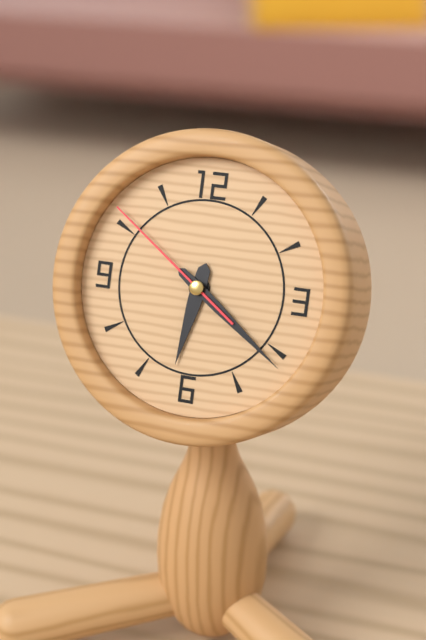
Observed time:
h=6 m=21 s=51
